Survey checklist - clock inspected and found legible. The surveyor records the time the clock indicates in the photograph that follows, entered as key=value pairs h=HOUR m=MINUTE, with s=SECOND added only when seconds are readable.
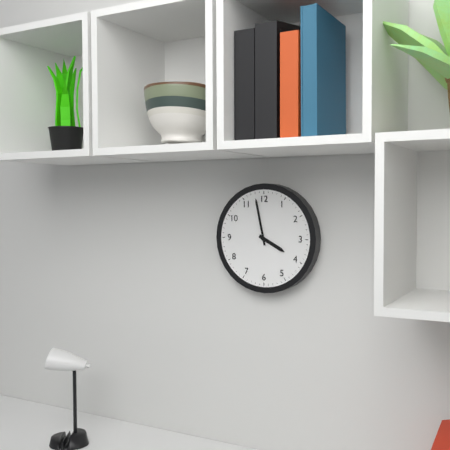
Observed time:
h=3 m=58
